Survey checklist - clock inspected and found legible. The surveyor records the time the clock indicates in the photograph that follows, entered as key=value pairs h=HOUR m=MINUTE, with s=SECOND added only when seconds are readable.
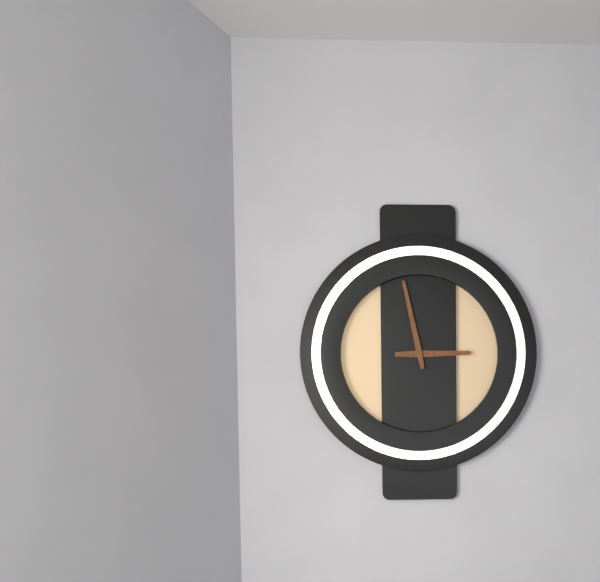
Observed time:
h=2 m=58
